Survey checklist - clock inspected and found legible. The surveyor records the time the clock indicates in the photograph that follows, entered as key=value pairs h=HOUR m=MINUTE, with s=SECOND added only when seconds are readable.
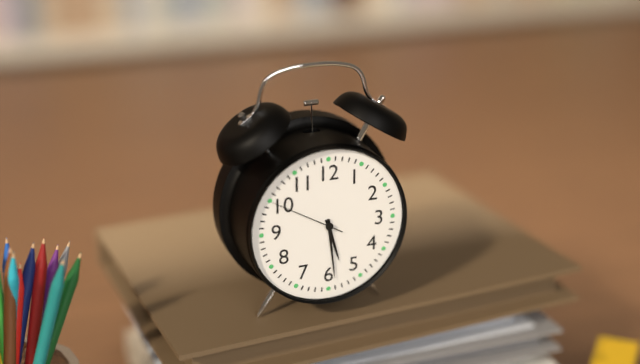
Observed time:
h=5 m=29 s=50
